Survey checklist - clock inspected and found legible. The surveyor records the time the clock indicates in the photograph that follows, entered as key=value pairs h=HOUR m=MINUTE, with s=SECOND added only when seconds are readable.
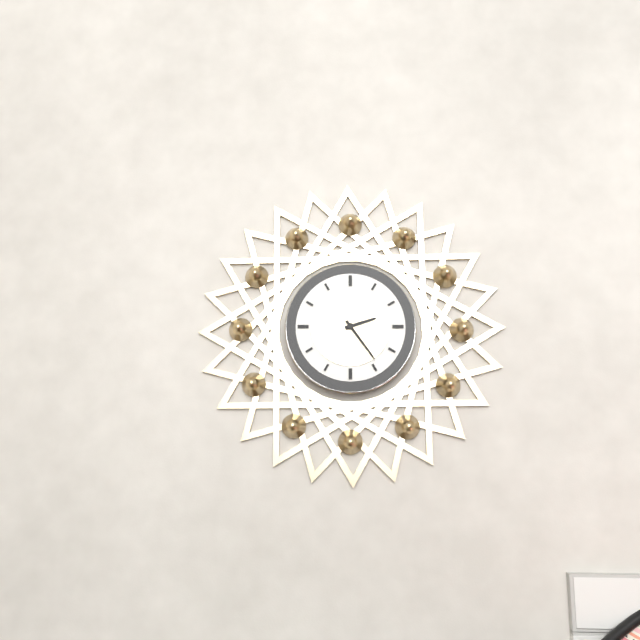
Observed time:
h=2 m=24
